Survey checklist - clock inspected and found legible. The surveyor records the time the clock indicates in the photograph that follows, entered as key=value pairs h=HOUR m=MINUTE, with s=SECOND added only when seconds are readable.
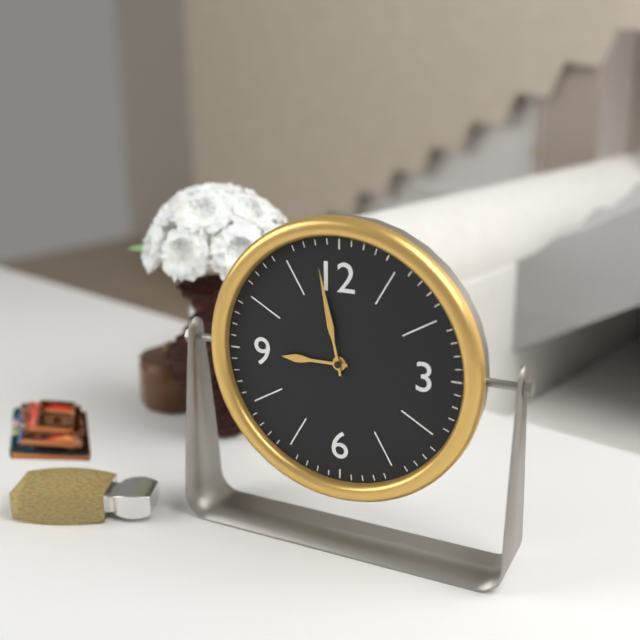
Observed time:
h=8 m=58
